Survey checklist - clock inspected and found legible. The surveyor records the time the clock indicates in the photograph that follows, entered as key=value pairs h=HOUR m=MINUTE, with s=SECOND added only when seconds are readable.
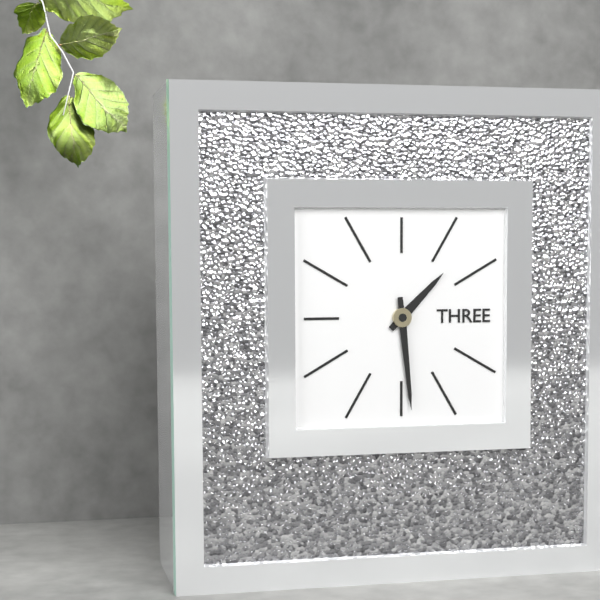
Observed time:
h=1 m=29
